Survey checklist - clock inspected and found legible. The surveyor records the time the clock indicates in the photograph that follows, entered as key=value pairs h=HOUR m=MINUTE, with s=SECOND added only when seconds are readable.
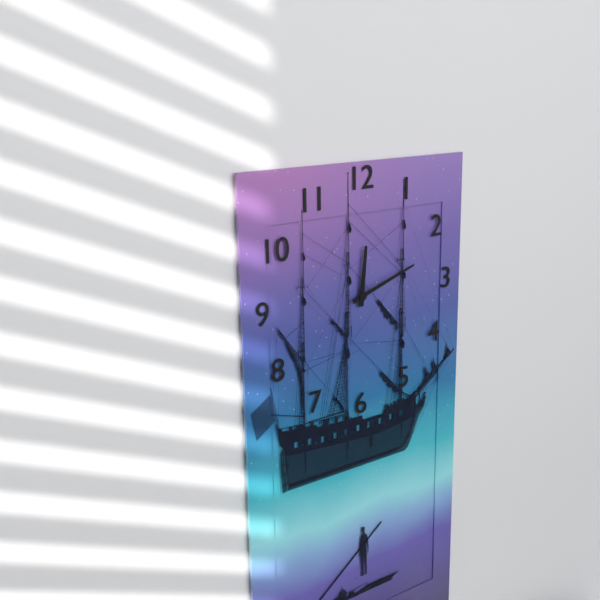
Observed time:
h=12 m=12
